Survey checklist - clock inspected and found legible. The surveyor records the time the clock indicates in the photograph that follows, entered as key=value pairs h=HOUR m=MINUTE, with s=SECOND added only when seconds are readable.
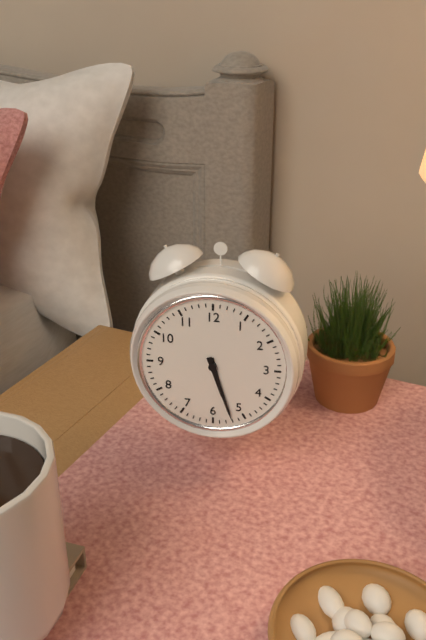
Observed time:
h=5 m=27
